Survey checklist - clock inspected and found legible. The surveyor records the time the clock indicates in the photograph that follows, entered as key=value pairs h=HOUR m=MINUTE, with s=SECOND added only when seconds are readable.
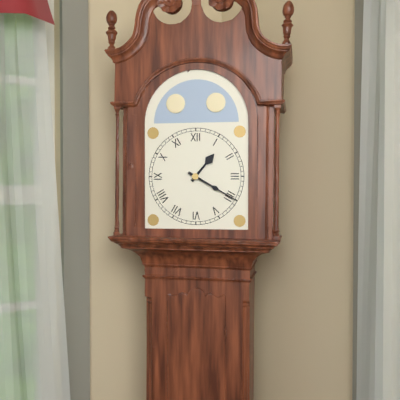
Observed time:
h=1 m=20
